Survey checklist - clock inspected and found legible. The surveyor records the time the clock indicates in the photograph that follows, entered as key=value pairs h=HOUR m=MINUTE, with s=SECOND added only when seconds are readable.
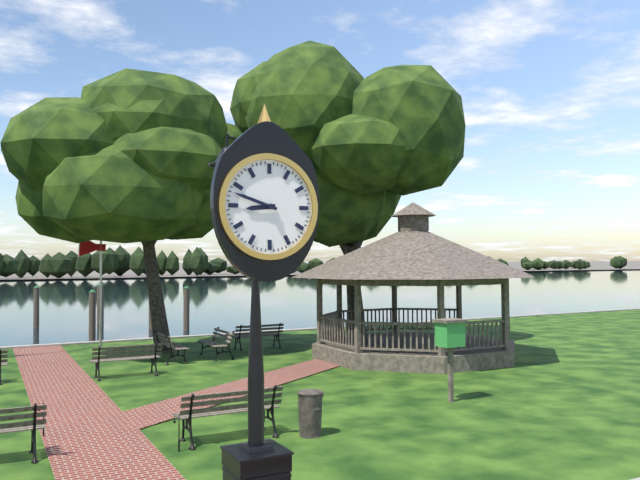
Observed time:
h=8 m=48
